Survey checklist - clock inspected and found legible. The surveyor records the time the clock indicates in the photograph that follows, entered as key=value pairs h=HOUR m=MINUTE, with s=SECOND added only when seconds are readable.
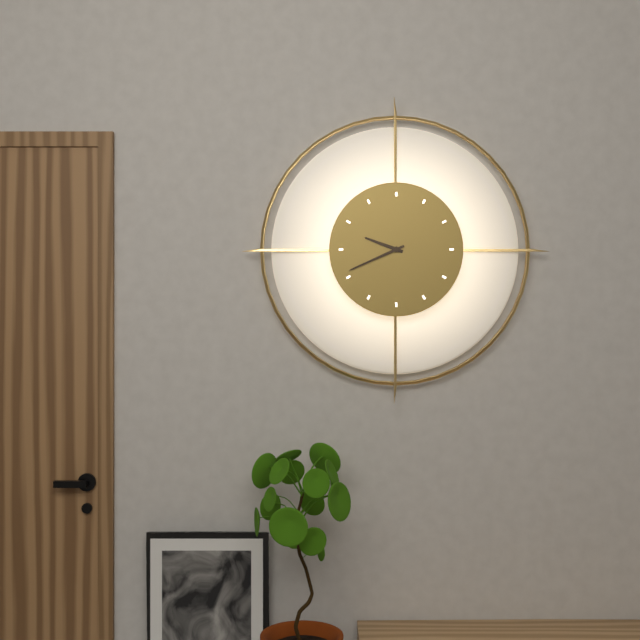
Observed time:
h=9 m=41
